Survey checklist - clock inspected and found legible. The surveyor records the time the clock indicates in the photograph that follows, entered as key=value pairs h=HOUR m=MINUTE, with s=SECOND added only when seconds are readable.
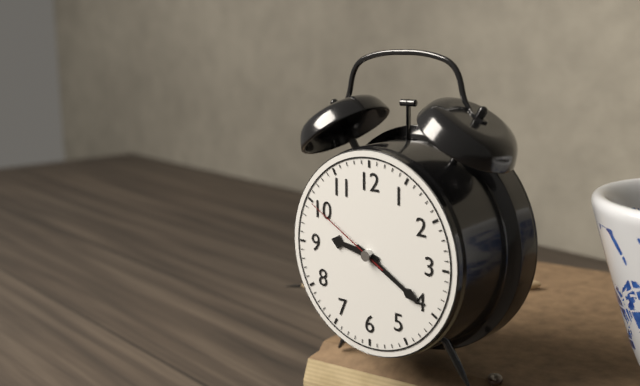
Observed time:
h=9 m=20 s=50
